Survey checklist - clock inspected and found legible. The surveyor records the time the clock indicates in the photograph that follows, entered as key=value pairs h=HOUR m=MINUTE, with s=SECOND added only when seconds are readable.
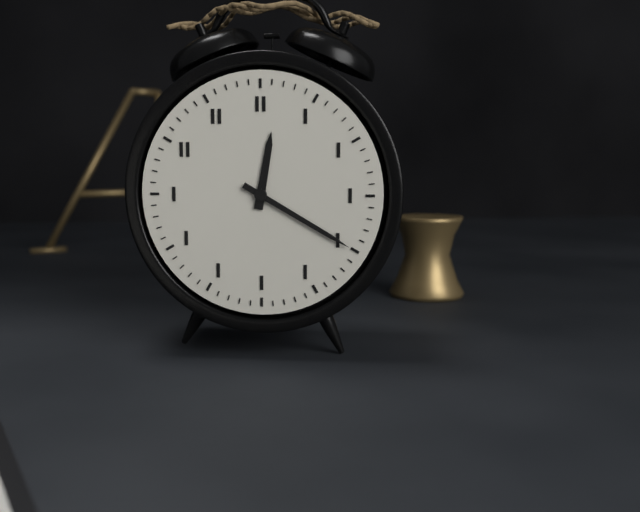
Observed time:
h=12 m=20
